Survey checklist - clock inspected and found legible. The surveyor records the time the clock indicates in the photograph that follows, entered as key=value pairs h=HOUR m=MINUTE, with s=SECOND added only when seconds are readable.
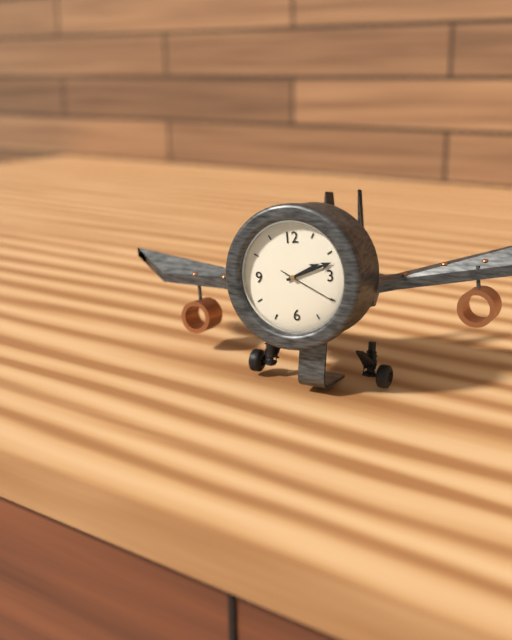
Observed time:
h=2 m=12 s=20
